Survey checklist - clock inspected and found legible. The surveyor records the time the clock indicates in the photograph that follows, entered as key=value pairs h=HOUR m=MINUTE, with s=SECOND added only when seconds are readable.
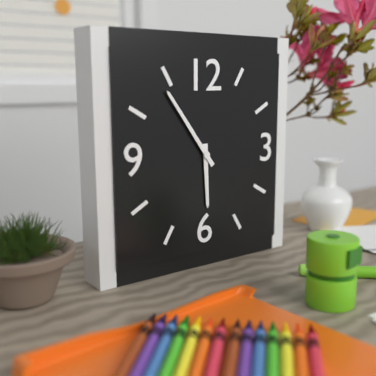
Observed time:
h=5 m=54
